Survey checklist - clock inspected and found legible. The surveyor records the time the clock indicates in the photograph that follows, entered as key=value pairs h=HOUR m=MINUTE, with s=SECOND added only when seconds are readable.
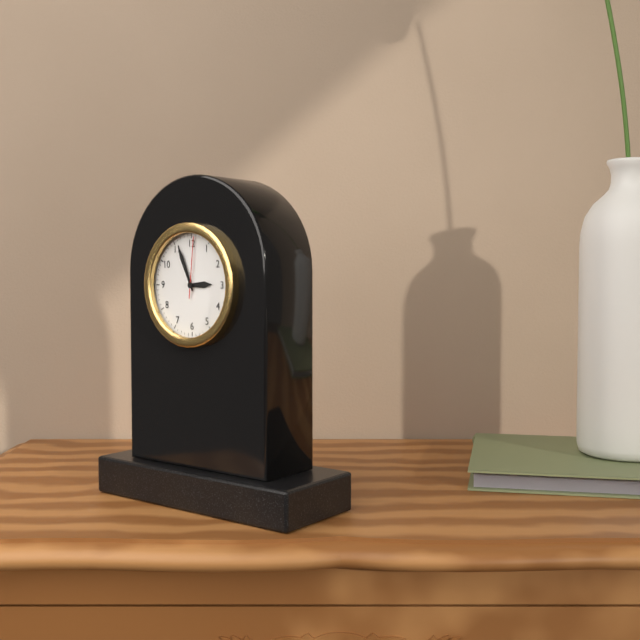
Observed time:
h=2 m=56 s=1
